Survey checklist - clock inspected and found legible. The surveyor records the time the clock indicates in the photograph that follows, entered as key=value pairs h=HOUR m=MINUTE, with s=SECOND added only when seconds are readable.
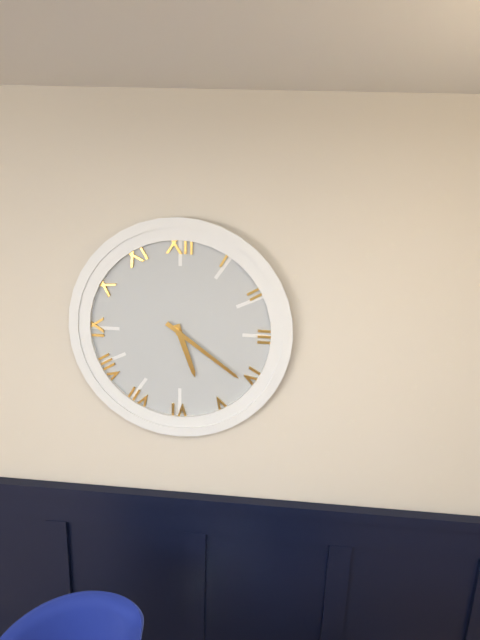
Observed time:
h=5 m=21
